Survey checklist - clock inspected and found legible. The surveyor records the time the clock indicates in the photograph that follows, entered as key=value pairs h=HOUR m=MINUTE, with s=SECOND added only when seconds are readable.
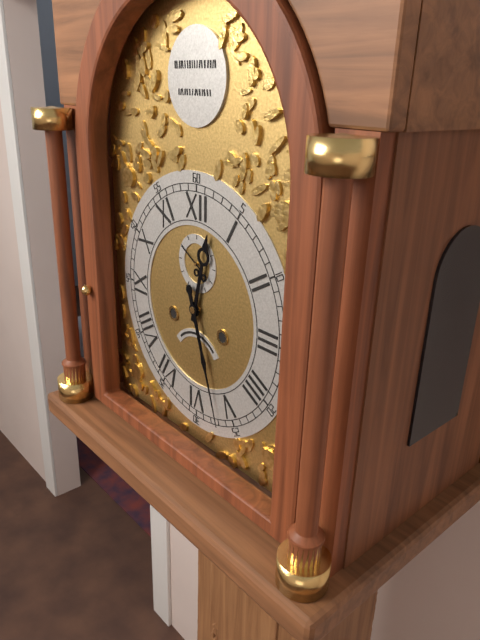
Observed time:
h=12 m=27
